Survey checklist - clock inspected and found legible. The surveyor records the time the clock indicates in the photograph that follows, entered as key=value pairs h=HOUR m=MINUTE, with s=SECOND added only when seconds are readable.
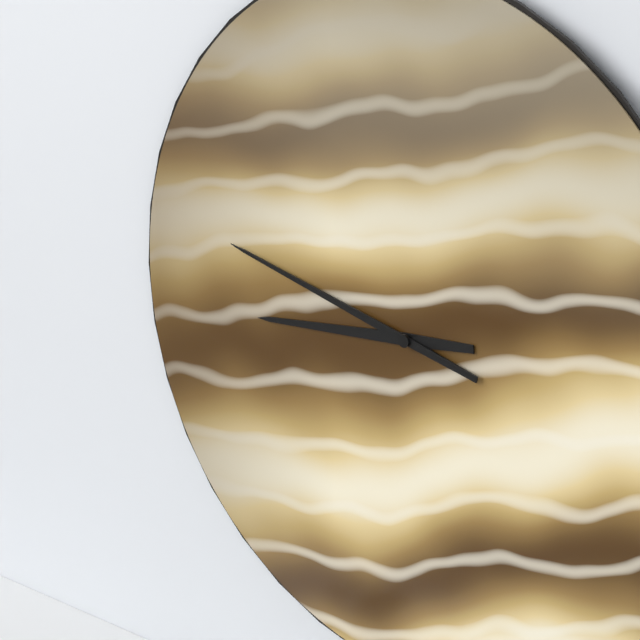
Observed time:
h=8 m=47
